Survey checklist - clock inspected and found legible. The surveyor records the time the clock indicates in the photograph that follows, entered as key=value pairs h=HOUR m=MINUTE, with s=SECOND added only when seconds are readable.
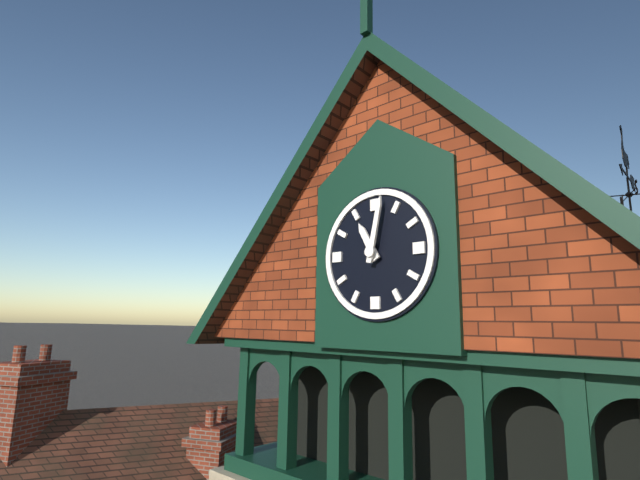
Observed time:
h=11 m=2
